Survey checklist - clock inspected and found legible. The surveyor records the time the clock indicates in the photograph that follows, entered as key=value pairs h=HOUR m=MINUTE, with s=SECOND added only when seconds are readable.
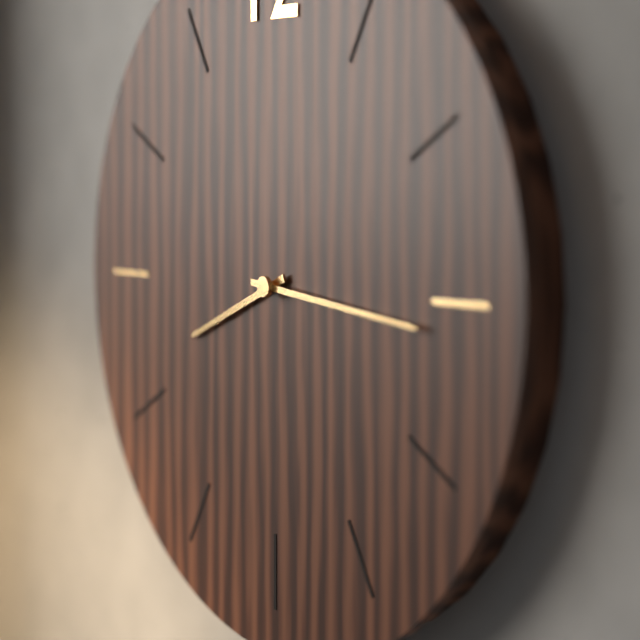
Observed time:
h=8 m=16
